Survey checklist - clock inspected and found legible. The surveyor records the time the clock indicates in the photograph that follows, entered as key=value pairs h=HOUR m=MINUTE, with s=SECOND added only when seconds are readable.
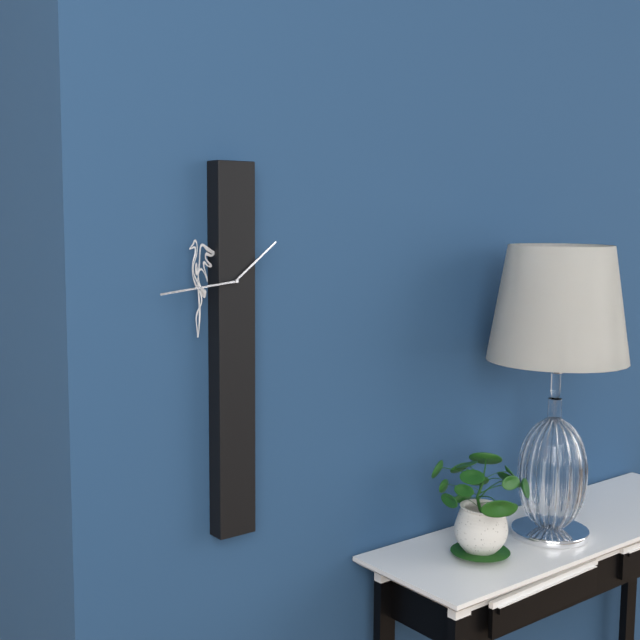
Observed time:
h=1 m=44
